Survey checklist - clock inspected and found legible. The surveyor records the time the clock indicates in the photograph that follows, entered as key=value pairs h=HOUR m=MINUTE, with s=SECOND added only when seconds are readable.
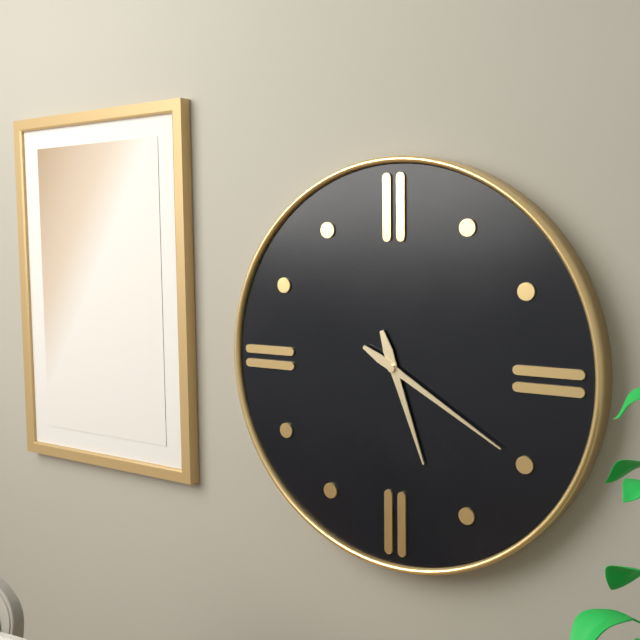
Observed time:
h=5 m=20
